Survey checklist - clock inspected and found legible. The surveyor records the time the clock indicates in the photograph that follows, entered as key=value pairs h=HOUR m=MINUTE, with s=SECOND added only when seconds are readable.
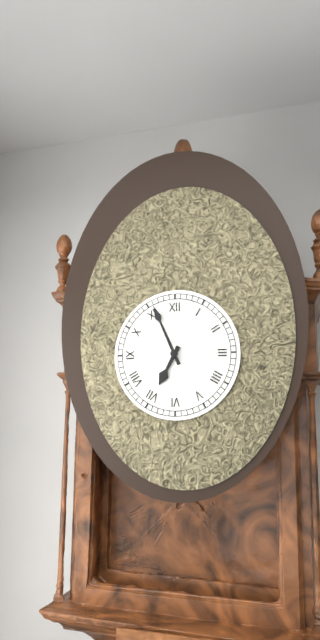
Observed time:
h=6 m=56
